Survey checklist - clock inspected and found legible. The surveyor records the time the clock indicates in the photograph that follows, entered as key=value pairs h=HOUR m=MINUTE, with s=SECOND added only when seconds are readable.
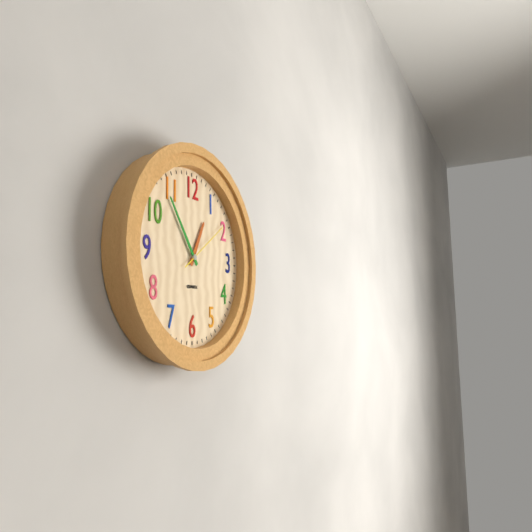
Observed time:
h=12 m=54 s=9
